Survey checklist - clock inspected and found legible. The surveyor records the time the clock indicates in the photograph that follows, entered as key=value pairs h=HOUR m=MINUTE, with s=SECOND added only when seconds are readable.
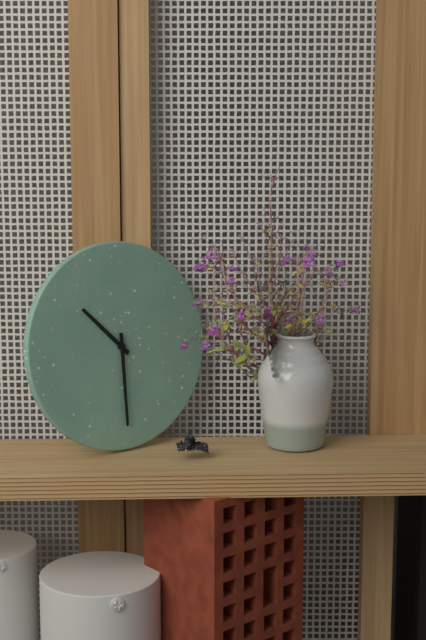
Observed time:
h=10 m=30
